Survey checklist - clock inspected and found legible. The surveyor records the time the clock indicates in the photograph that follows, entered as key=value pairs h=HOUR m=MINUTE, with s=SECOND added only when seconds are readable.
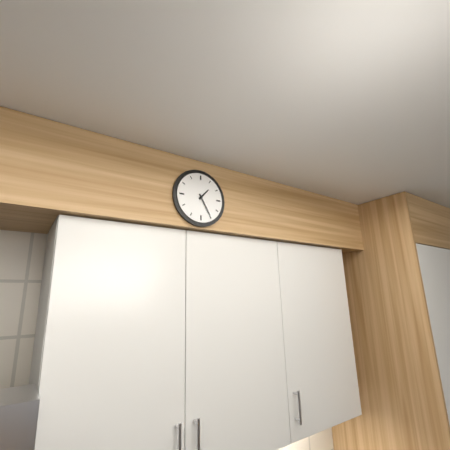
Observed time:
h=1 m=25
